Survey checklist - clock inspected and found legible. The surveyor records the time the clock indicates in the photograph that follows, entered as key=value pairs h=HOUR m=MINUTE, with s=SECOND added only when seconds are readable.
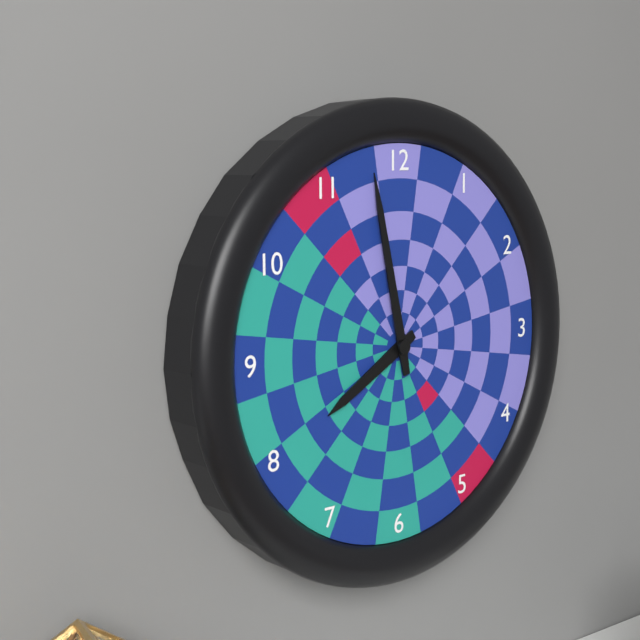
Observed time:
h=7 m=58
